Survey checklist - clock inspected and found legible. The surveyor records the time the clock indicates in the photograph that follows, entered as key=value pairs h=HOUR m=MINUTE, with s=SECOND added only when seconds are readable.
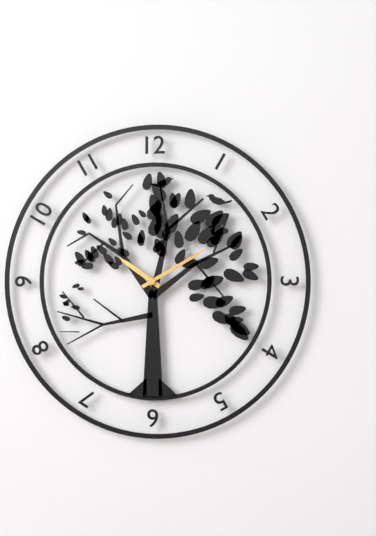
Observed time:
h=10 m=10
